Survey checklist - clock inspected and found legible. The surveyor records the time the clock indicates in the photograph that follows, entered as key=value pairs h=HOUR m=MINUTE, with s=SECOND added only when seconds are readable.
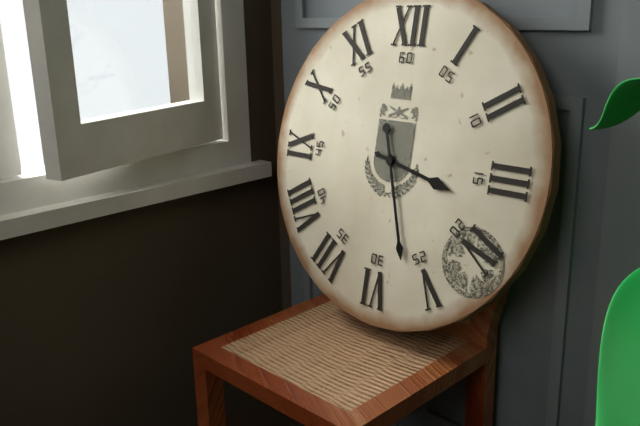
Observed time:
h=3 m=27
